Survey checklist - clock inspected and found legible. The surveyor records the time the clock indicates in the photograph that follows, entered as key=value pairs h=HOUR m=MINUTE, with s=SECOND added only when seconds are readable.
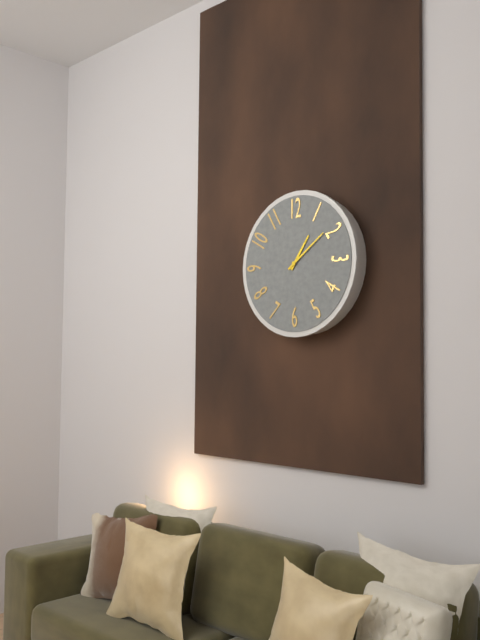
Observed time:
h=1 m=9
